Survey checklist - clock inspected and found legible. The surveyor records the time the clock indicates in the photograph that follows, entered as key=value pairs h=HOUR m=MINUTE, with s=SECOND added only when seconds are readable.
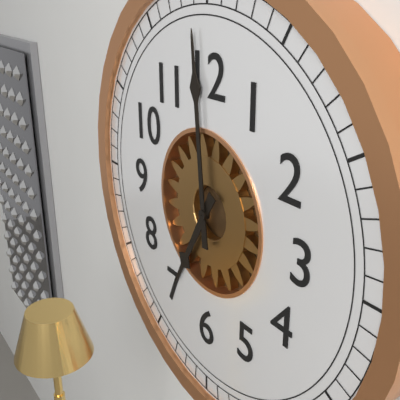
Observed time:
h=6 m=59
